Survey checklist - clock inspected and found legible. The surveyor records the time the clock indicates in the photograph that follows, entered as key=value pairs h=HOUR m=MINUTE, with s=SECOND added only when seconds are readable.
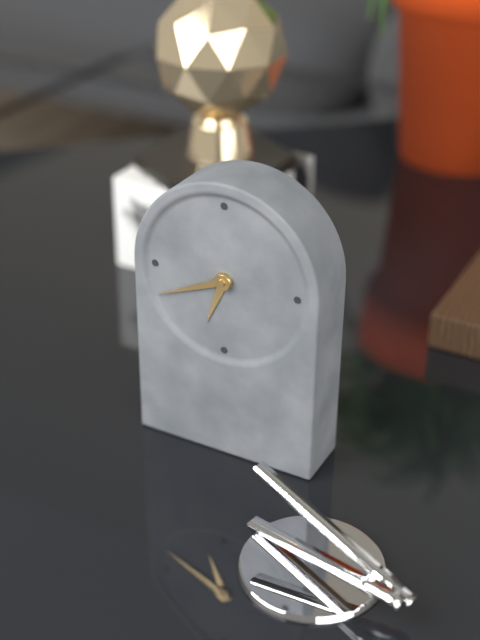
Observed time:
h=6 m=41
